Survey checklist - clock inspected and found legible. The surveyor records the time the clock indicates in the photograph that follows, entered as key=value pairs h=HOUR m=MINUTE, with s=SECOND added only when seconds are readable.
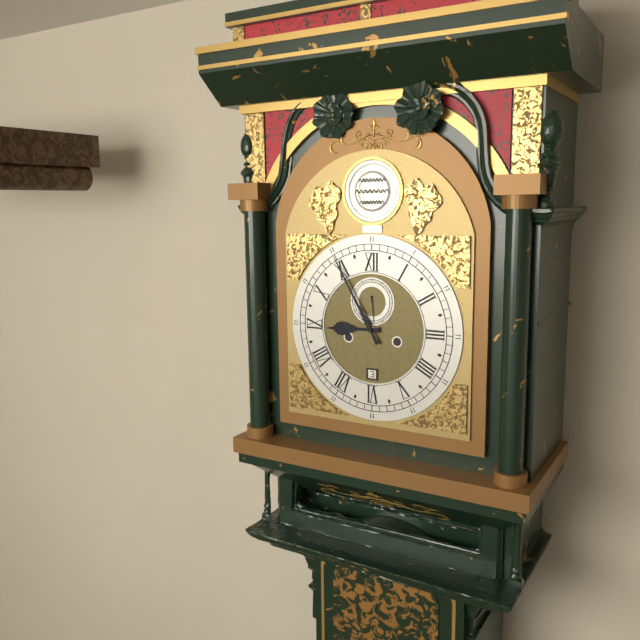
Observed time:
h=8 m=55
